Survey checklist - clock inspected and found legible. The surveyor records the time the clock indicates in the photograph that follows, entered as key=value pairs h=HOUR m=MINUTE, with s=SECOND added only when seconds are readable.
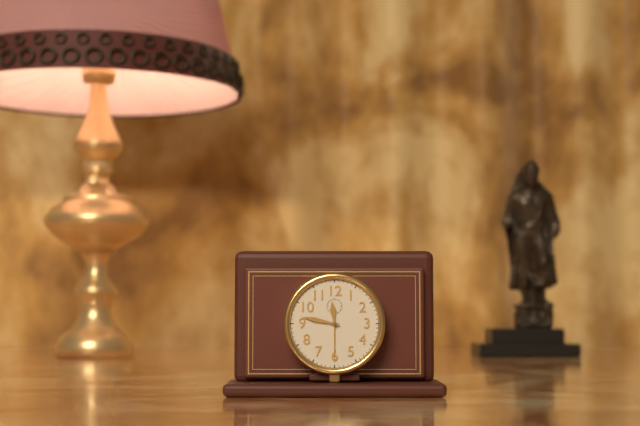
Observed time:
h=11 m=47
